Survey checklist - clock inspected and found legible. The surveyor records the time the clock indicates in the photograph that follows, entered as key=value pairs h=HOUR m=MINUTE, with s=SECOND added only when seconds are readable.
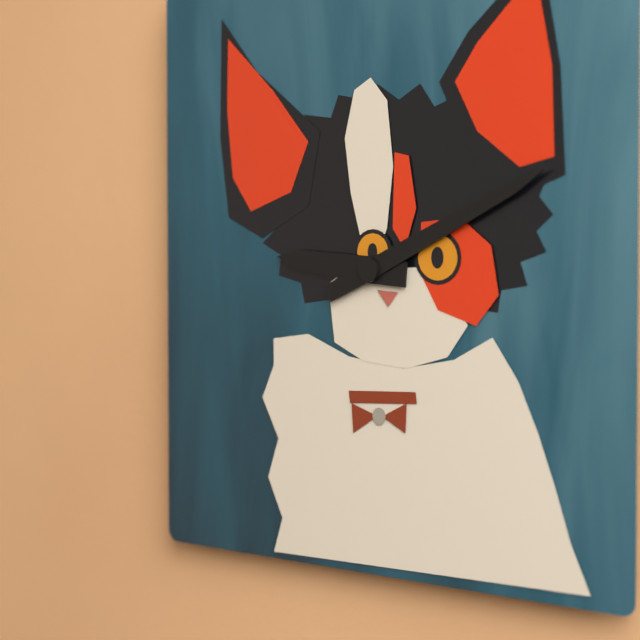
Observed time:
h=9 m=11
